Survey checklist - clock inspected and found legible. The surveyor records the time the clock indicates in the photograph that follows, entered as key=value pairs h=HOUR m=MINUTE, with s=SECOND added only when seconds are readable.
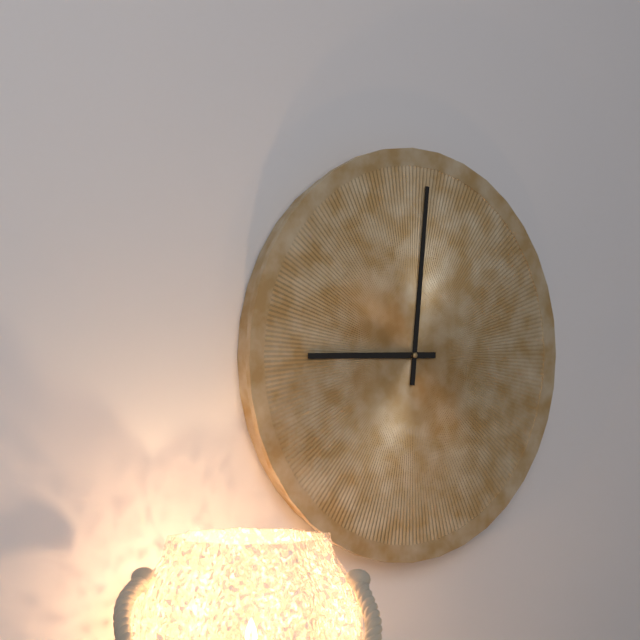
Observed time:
h=9 m=1
